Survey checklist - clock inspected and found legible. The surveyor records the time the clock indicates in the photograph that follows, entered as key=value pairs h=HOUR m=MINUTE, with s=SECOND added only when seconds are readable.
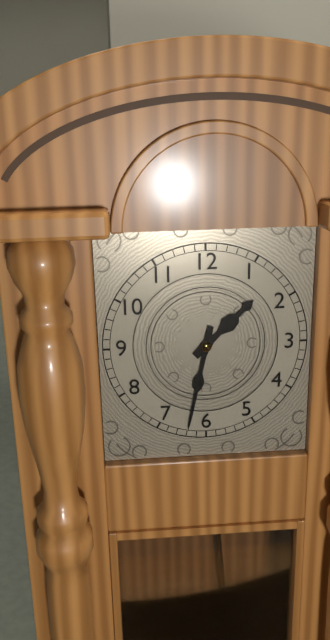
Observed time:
h=1 m=32
